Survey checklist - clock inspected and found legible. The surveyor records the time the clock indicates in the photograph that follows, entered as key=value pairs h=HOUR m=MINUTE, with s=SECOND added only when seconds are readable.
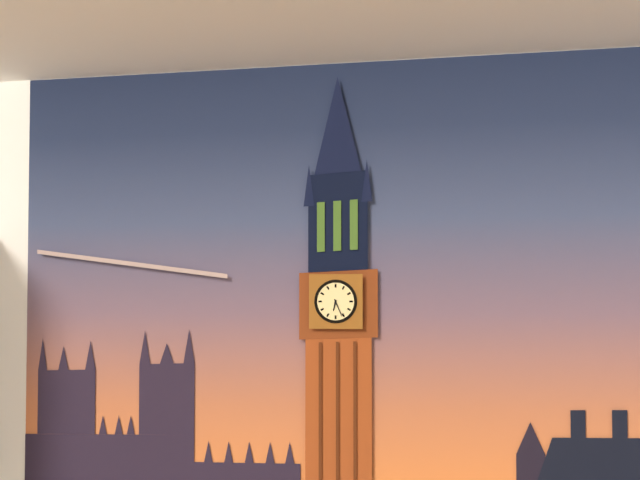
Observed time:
h=6 m=26
